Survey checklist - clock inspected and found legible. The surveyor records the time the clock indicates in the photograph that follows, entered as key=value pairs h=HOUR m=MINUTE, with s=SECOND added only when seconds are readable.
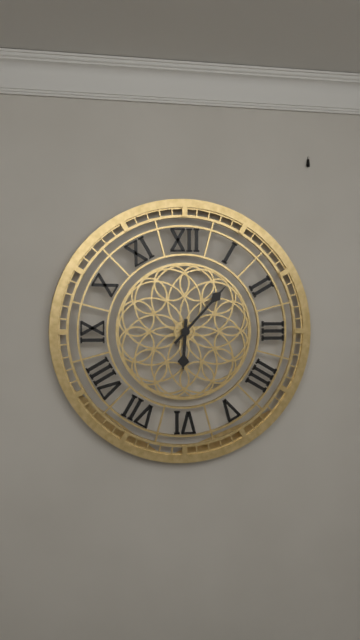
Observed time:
h=6 m=7
